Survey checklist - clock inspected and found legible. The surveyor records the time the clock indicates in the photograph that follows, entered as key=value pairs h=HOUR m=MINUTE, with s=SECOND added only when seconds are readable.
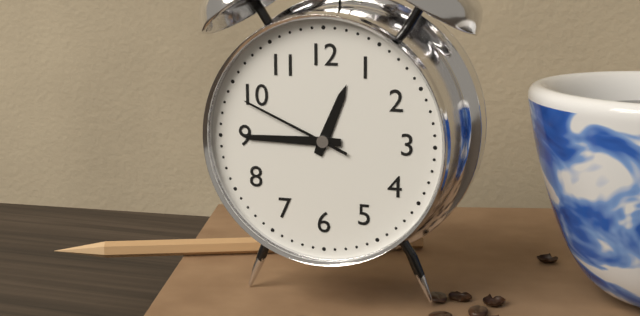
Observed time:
h=12 m=45 s=49
